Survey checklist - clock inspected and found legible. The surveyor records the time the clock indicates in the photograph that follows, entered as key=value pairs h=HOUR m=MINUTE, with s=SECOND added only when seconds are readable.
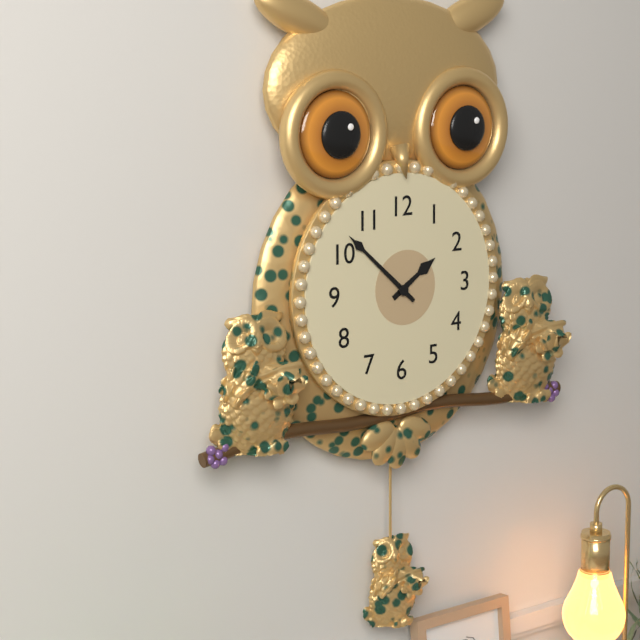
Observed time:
h=1 m=52
